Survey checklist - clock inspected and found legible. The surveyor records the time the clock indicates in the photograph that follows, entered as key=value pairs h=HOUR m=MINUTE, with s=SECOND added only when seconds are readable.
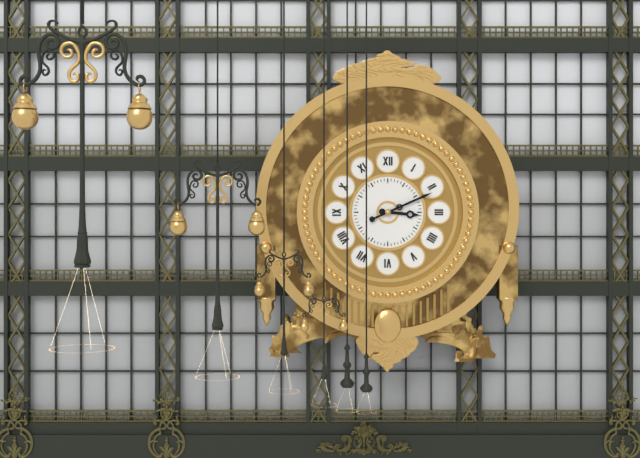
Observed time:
h=3 m=11
